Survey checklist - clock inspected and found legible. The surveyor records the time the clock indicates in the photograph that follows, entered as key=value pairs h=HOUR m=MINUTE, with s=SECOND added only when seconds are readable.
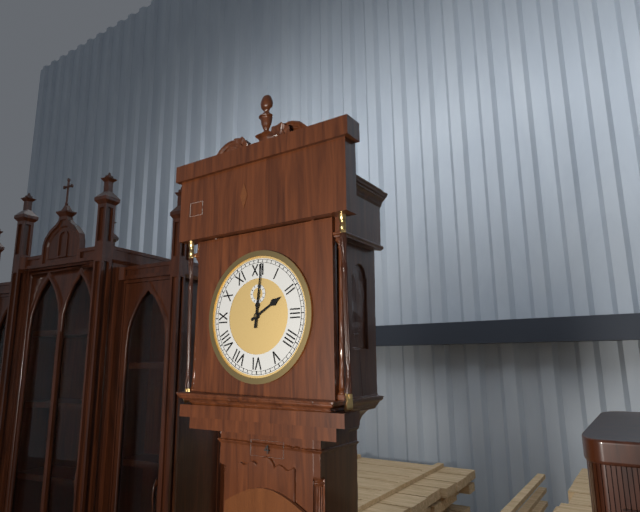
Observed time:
h=2 m=1
